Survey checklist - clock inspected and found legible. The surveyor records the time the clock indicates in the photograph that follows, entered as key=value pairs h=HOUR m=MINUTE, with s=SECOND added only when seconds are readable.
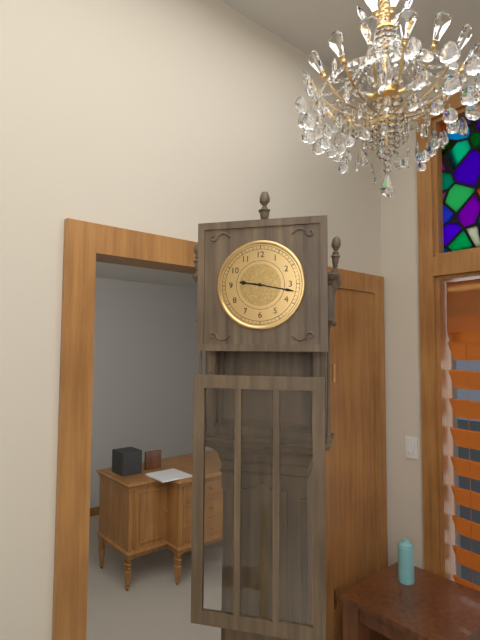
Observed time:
h=9 m=17
